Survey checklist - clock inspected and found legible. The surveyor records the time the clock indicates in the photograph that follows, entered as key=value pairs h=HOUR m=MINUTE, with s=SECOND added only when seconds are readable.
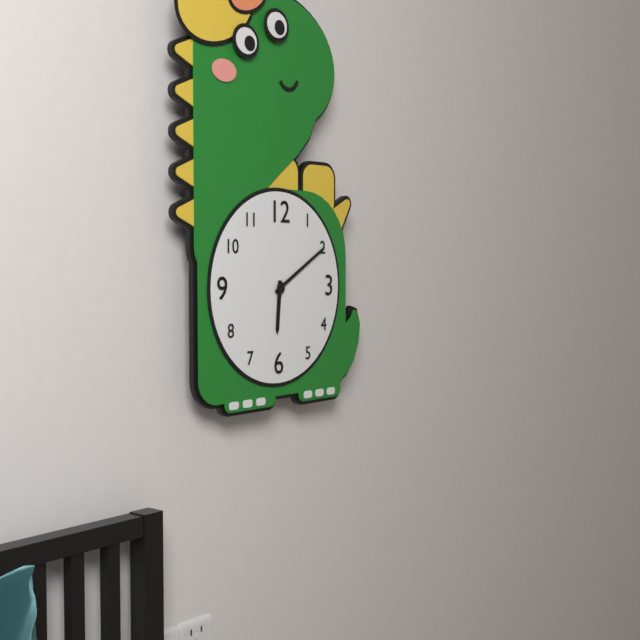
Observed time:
h=6 m=10
